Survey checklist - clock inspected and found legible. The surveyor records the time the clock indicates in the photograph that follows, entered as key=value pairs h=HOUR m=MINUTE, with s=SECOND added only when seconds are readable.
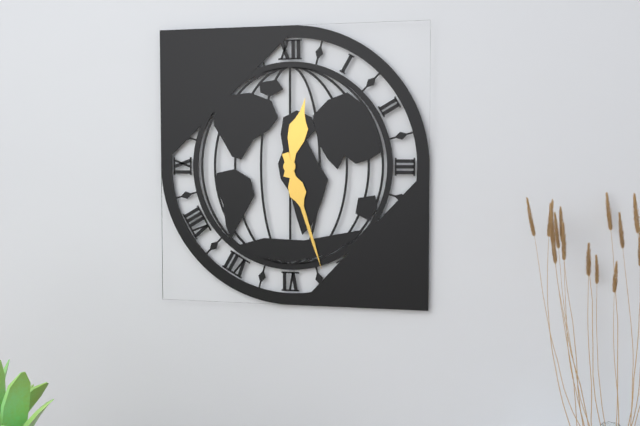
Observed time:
h=12 m=27
